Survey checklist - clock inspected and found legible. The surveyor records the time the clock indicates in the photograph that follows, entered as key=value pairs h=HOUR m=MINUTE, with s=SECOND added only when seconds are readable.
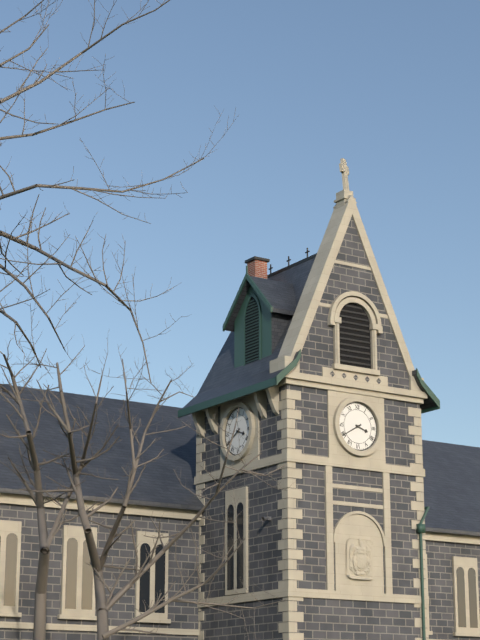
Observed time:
h=3 m=40
